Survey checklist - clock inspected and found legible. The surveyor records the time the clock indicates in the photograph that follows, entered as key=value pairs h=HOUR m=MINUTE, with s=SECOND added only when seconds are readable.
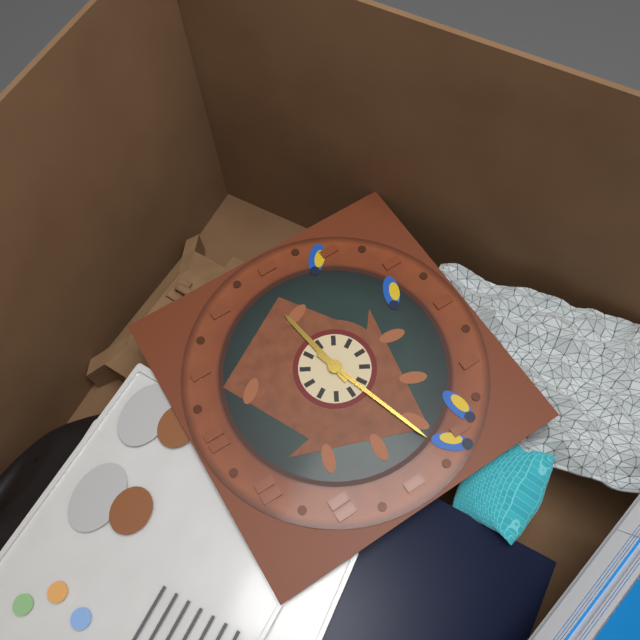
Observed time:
h=2 m=42
